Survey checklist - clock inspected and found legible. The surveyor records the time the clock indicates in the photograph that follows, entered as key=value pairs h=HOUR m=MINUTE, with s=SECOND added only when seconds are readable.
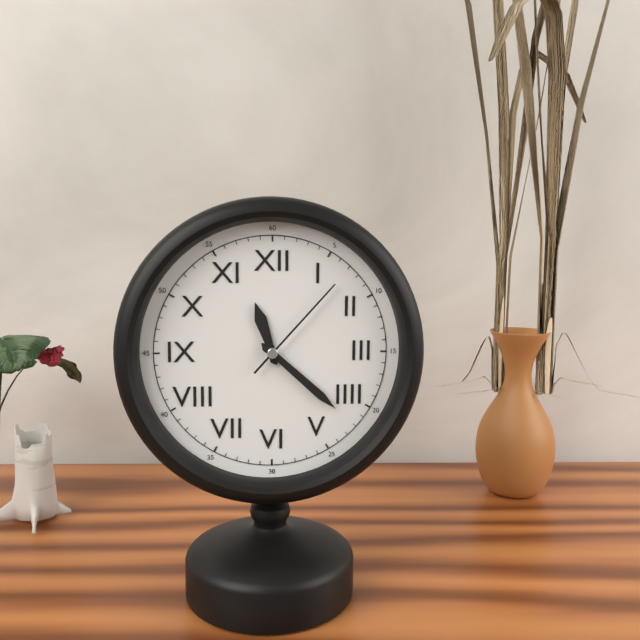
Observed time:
h=11 m=22 s=7
